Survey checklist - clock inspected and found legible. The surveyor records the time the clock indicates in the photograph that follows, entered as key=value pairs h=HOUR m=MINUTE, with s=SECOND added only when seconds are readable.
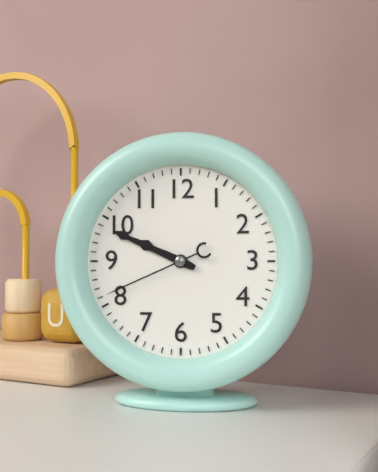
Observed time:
h=9 m=49 s=41
